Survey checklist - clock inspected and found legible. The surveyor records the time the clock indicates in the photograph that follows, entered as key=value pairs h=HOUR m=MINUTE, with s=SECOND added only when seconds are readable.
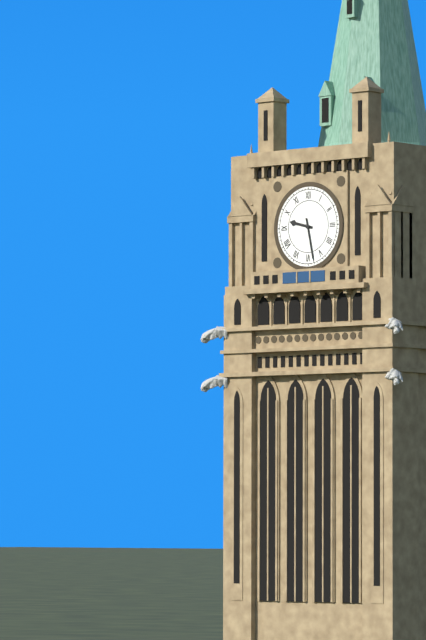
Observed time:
h=9 m=28
